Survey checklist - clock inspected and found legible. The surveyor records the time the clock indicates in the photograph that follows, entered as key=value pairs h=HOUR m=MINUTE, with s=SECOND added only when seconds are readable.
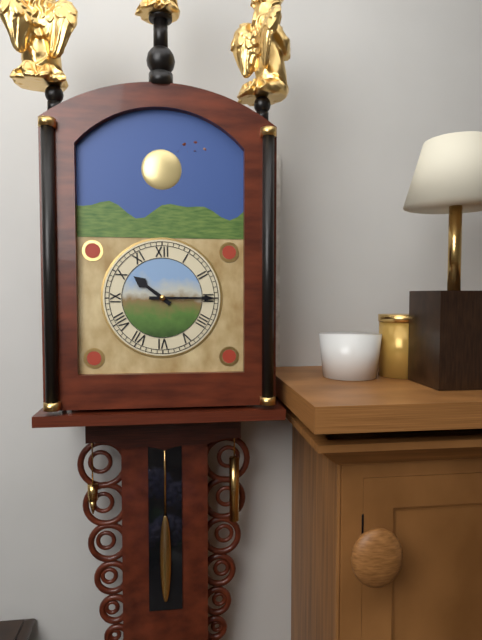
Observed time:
h=10 m=15
